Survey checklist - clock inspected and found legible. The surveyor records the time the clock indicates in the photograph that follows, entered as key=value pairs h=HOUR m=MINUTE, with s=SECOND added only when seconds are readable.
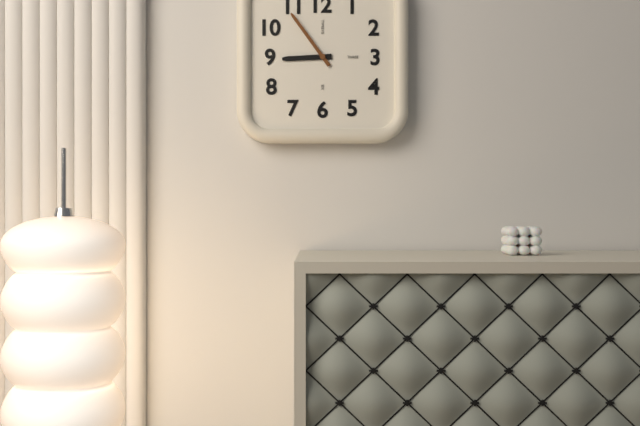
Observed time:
h=8 m=54
